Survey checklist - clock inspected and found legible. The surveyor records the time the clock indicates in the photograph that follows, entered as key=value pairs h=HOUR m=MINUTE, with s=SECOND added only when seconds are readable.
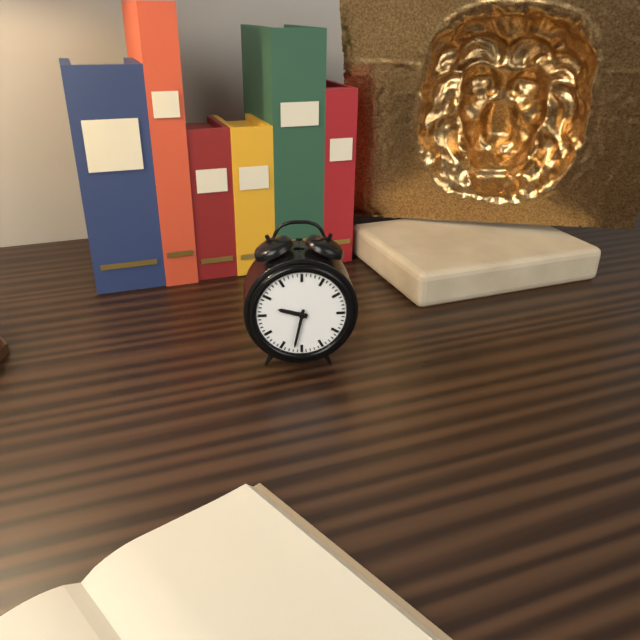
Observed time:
h=9 m=32
